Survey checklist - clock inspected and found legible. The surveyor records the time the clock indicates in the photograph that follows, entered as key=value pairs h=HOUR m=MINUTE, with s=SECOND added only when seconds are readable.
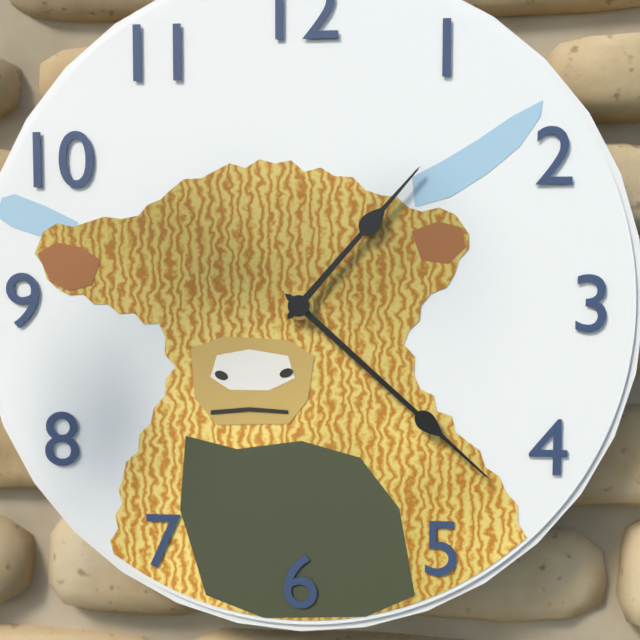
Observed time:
h=1 m=22
